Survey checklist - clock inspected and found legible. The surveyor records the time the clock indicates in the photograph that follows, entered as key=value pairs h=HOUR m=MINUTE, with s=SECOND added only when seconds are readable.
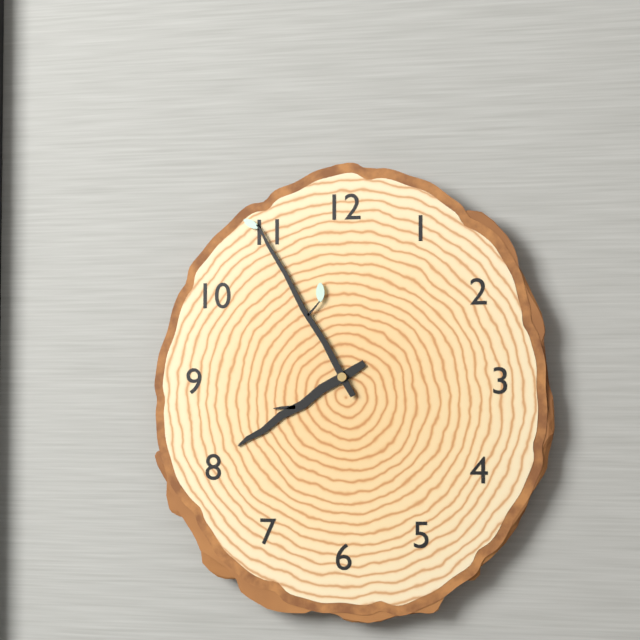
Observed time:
h=7 m=55
